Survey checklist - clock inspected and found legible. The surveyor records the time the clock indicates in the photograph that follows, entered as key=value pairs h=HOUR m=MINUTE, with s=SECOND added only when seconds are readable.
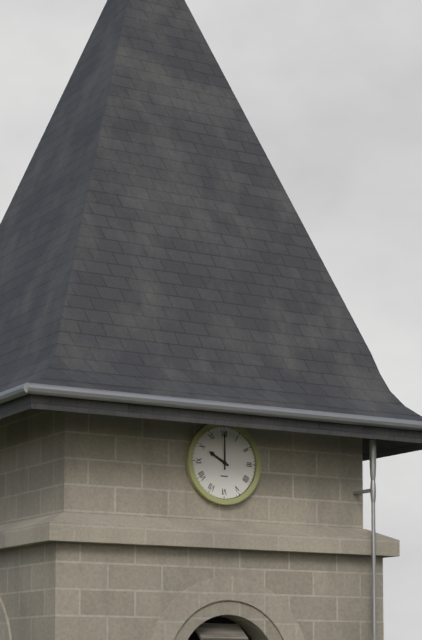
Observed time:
h=10 m=0
